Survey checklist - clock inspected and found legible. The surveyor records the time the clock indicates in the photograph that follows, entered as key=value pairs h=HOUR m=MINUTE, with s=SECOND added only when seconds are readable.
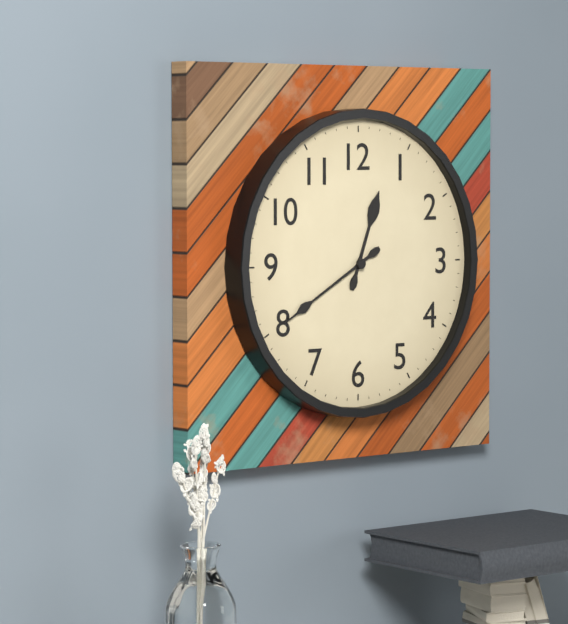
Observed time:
h=12 m=40
